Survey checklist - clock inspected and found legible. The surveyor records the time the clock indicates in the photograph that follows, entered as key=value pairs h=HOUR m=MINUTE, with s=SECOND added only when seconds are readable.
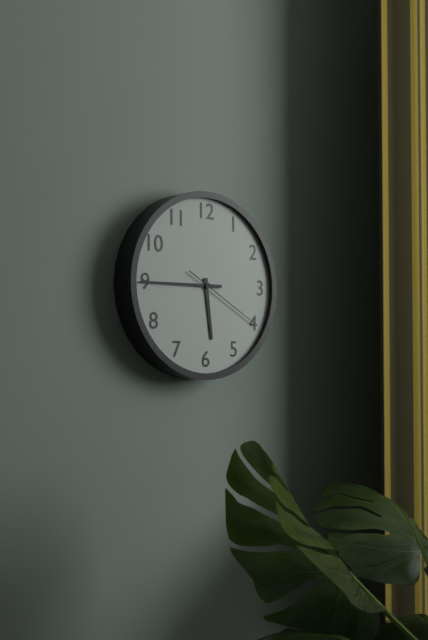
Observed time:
h=5 m=45 s=20
